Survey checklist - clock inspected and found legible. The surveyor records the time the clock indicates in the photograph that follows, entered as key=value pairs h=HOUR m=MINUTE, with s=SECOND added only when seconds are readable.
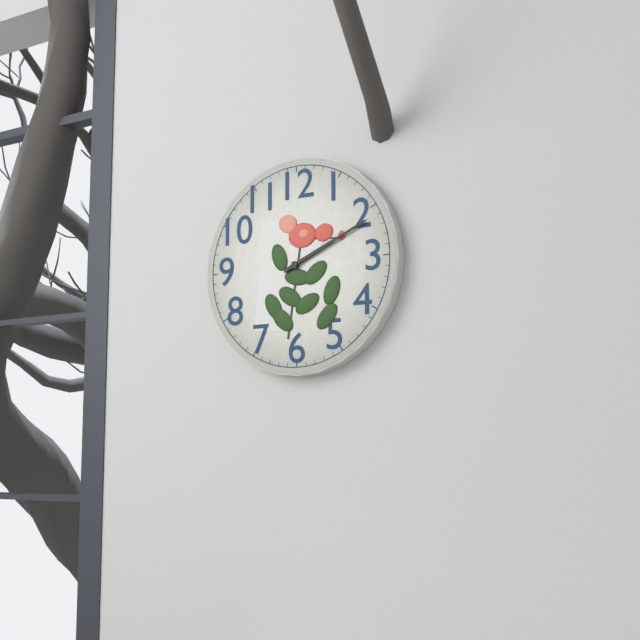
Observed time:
h=2 m=11
